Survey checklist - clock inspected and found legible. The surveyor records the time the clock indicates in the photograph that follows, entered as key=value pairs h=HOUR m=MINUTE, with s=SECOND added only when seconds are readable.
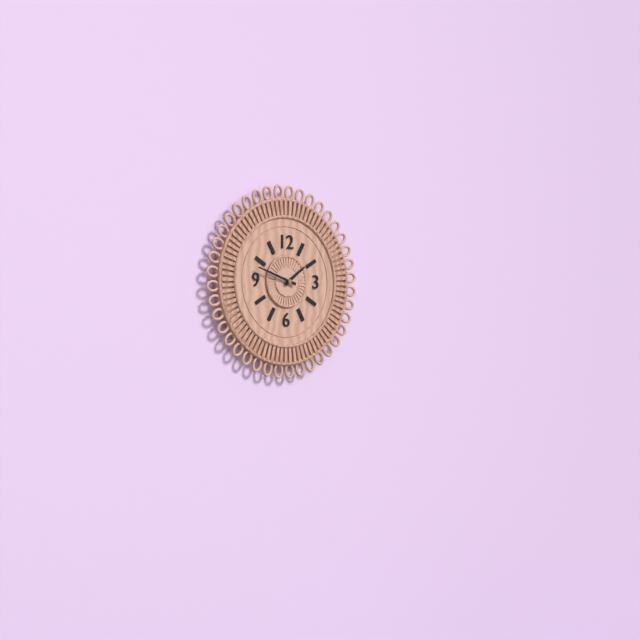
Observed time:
h=1 m=48
